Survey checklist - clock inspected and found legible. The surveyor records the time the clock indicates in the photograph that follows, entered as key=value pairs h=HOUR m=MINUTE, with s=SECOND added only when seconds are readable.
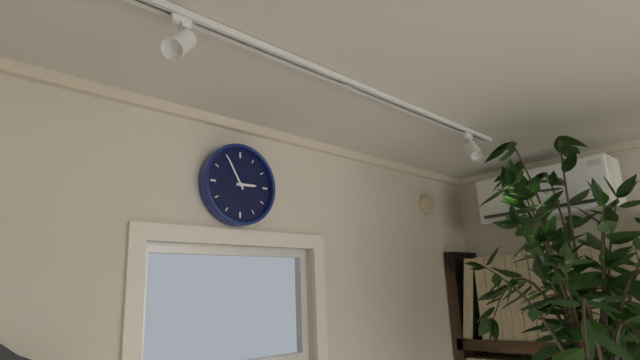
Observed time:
h=2 m=55
